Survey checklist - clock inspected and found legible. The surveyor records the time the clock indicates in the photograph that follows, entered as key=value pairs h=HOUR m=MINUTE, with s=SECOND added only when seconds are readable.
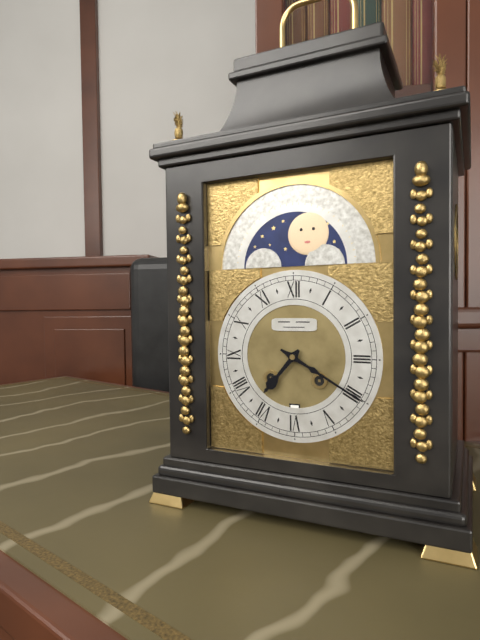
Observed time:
h=7 m=20
